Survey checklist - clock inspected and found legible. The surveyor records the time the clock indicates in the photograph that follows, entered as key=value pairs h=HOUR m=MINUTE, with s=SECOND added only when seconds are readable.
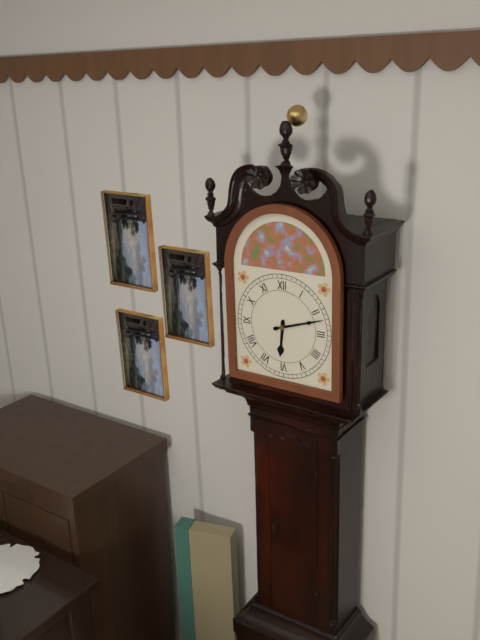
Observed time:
h=6 m=12
